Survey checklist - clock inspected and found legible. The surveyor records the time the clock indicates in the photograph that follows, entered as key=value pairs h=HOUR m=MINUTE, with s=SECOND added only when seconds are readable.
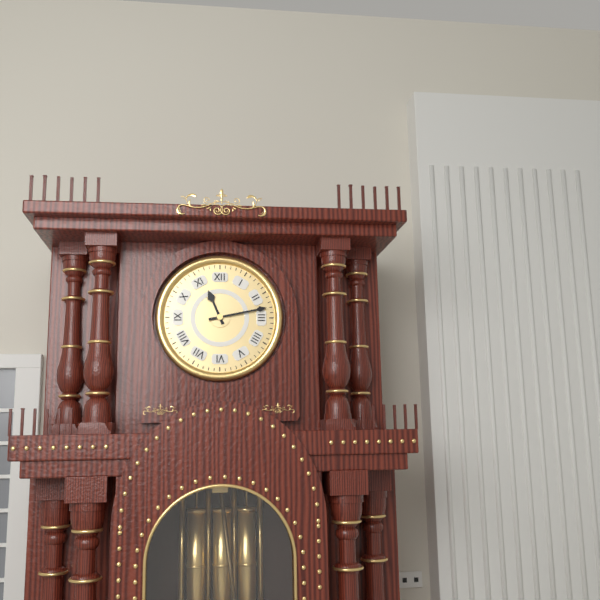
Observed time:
h=11 m=13
